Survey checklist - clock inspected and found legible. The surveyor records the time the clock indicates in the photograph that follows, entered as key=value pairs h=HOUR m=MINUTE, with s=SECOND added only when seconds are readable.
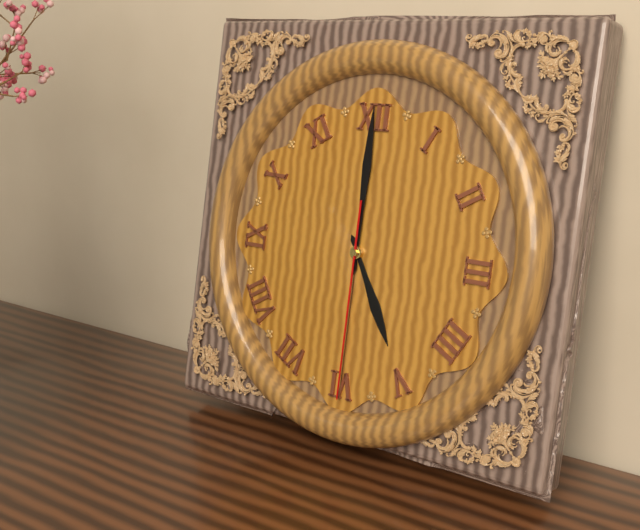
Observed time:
h=5 m=0 s=30
